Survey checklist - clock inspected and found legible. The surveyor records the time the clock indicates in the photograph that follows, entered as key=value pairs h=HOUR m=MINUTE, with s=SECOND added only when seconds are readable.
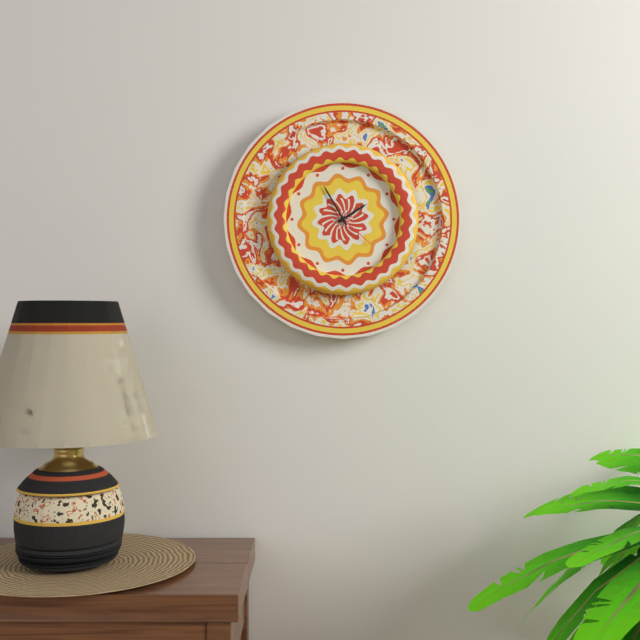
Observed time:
h=1 m=55
